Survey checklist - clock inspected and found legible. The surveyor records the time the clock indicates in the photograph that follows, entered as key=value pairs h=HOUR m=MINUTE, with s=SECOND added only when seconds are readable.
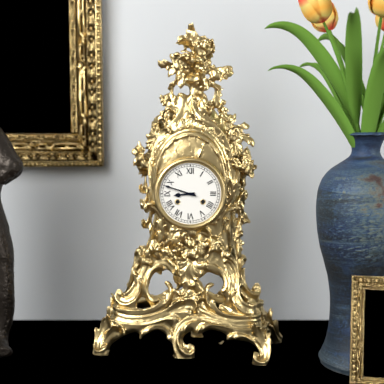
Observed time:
h=8 m=48
